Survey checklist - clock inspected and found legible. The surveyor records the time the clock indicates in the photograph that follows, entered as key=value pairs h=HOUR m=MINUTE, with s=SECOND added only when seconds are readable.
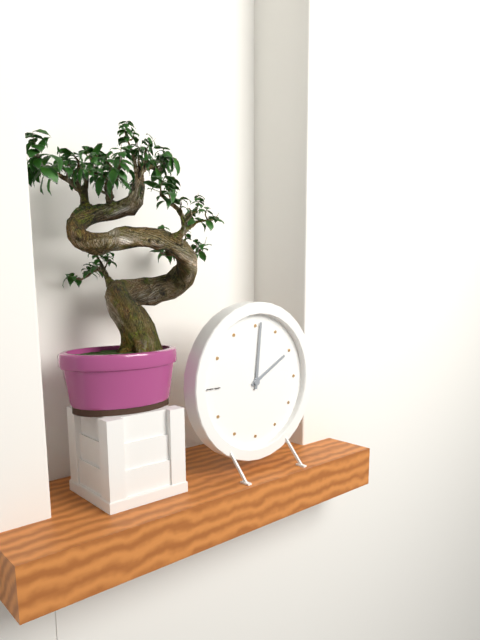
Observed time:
h=2 m=1
